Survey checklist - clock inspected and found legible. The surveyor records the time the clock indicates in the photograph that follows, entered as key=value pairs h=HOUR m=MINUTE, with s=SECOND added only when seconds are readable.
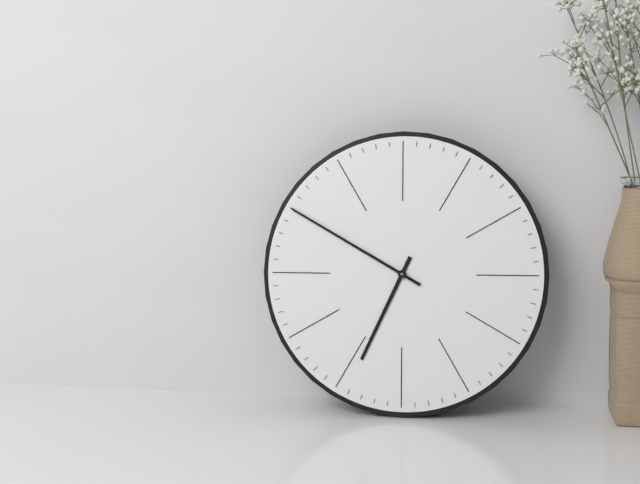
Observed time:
h=6 m=50
